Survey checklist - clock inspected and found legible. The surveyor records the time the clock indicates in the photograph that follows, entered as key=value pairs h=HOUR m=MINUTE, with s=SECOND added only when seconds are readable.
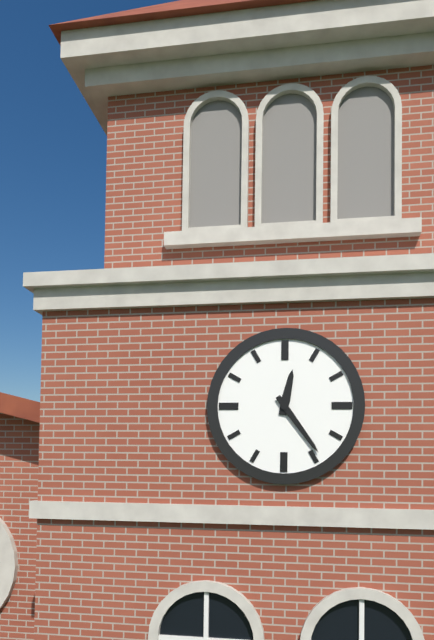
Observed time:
h=12 m=24
